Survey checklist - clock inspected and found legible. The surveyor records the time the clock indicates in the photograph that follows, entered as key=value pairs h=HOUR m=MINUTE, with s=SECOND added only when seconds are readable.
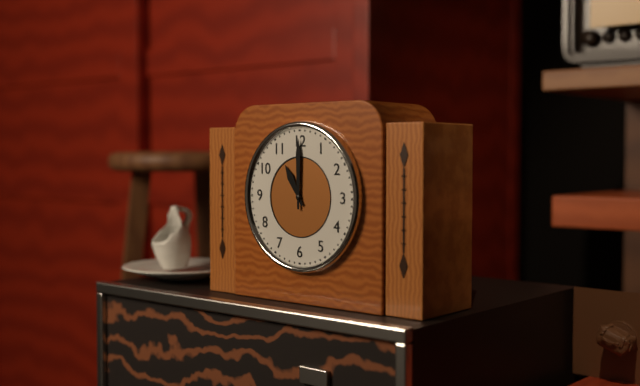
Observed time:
h=11 m=0
